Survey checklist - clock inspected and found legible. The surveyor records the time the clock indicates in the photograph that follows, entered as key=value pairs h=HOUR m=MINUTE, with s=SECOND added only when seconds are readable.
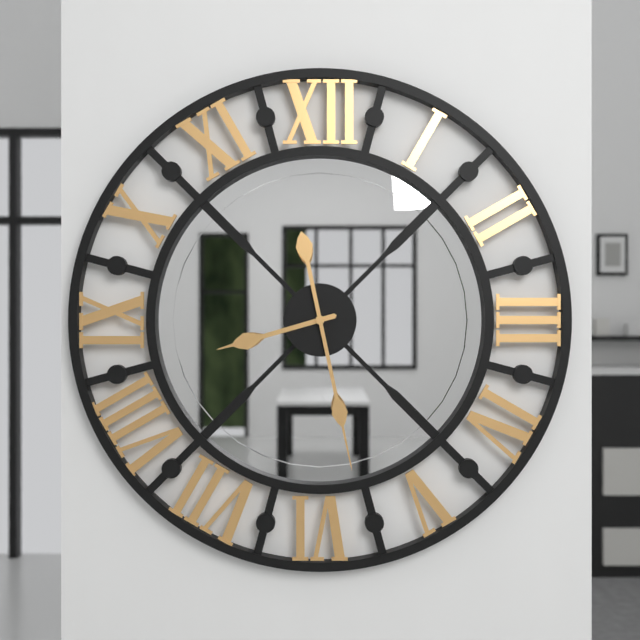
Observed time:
h=8 m=28
